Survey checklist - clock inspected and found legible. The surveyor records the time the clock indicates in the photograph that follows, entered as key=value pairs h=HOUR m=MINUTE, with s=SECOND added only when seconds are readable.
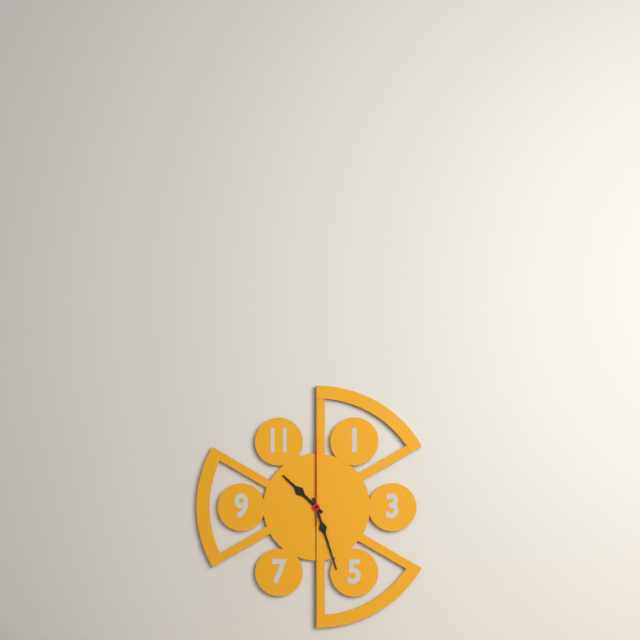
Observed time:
h=10 m=27 s=0
